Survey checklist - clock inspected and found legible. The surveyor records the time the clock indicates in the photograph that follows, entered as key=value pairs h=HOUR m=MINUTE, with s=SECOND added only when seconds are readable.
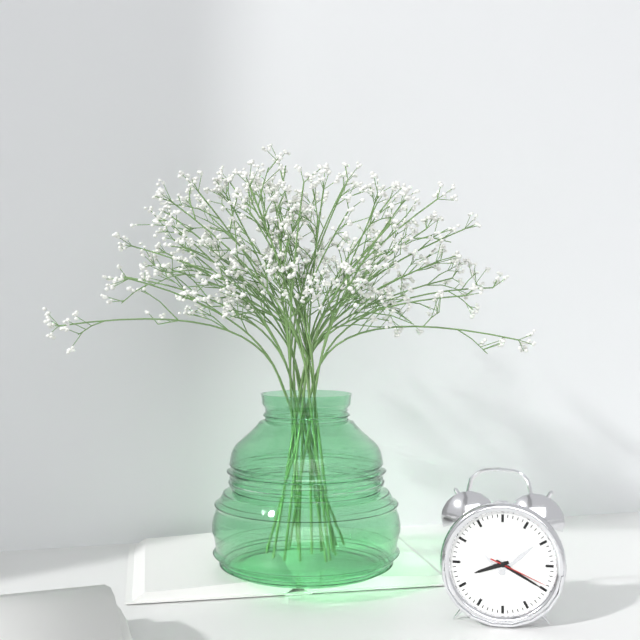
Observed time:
h=8 m=20 s=19
